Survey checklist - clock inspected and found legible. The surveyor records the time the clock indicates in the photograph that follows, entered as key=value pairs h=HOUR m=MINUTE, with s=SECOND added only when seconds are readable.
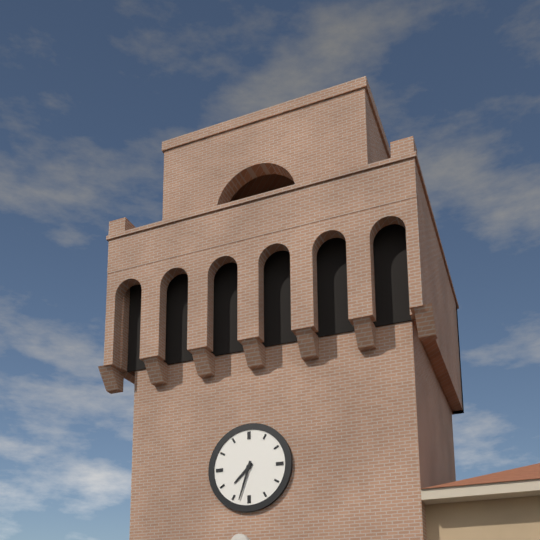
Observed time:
h=7 m=33
